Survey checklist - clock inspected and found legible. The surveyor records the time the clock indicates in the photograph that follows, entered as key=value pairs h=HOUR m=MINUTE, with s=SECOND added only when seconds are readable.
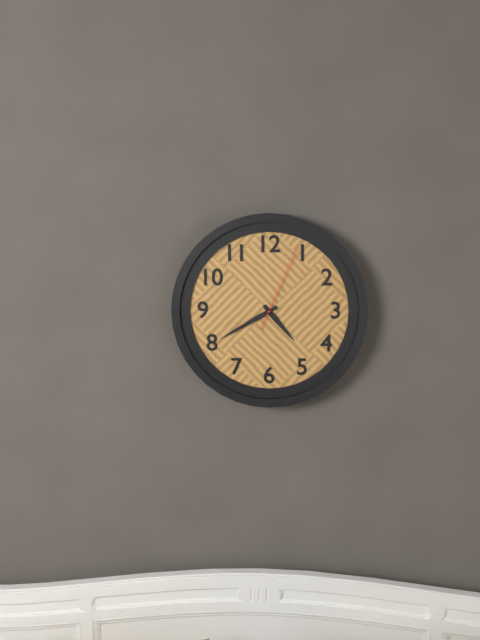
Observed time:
h=4 m=40 s=4
